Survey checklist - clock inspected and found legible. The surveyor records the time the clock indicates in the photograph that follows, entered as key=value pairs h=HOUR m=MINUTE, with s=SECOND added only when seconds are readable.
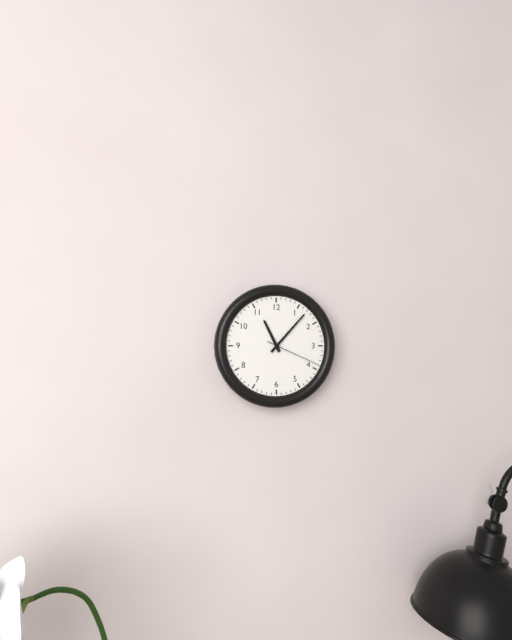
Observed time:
h=11 m=7 s=19
